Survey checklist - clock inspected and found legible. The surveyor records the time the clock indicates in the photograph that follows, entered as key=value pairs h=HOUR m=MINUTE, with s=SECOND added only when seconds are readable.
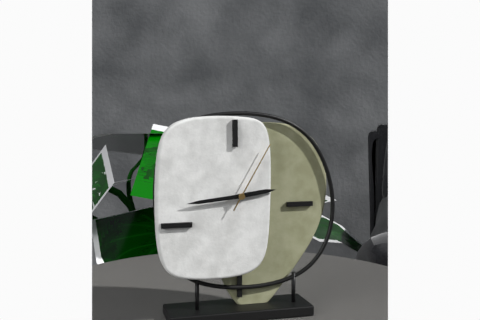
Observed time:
h=2 m=44 s=5
